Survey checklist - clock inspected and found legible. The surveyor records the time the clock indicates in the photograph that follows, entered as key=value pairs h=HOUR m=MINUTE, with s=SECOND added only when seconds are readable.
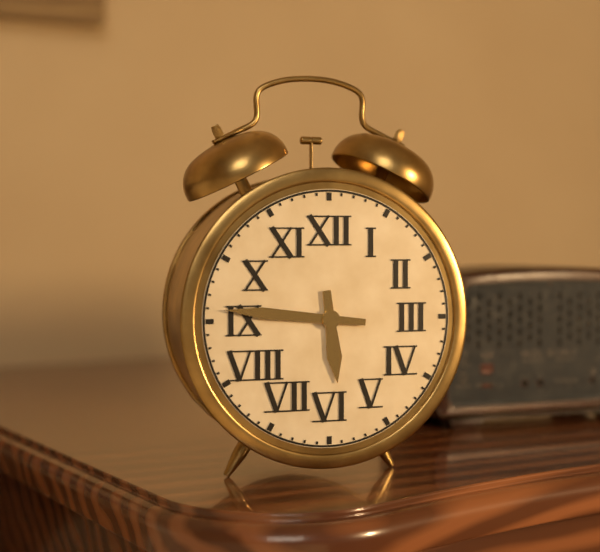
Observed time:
h=5 m=46
